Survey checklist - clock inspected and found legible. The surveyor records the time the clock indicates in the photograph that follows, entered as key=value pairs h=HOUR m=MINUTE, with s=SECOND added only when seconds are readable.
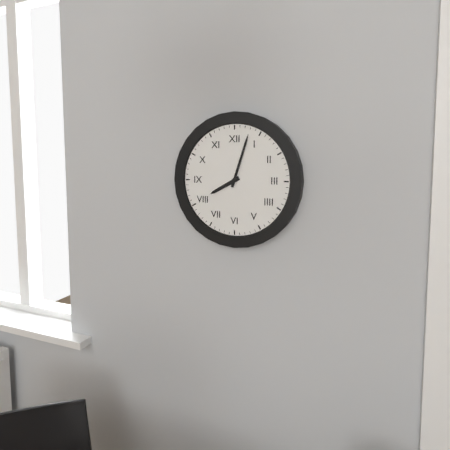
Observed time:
h=8 m=3
